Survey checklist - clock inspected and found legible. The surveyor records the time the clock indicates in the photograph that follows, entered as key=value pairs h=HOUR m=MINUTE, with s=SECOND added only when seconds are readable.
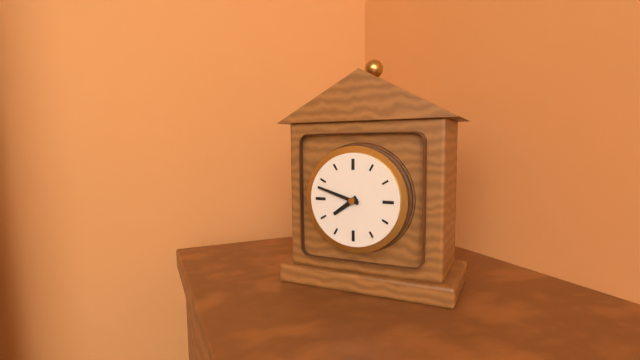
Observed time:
h=7 m=48
